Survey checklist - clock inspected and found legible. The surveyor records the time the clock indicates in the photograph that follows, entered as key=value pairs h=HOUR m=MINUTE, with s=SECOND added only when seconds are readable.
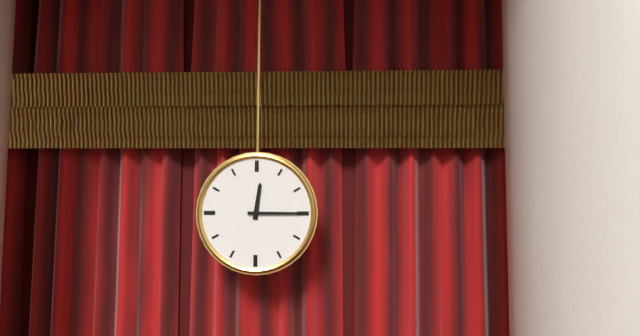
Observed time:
h=12 m=15
